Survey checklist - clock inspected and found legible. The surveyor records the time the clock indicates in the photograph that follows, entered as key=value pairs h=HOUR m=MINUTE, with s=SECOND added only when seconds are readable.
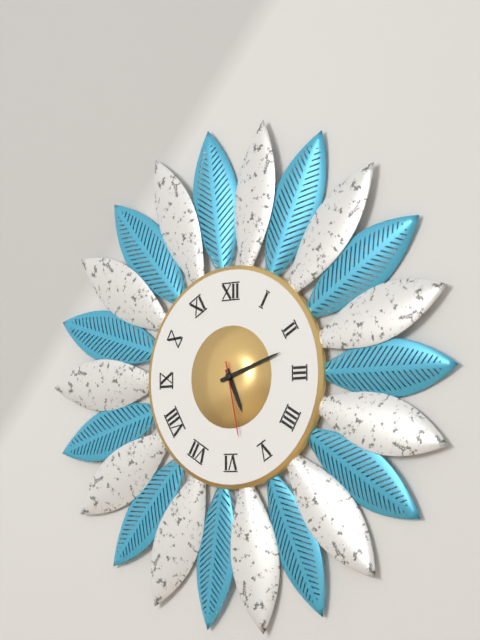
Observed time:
h=5 m=12 s=28
